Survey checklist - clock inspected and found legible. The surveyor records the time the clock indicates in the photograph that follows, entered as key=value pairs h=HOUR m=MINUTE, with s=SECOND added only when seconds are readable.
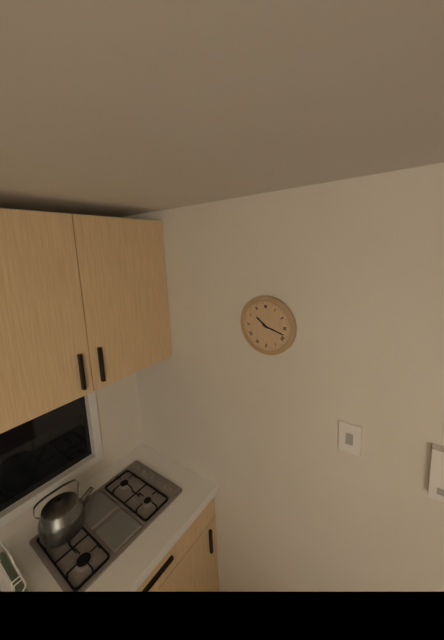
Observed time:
h=10 m=18
